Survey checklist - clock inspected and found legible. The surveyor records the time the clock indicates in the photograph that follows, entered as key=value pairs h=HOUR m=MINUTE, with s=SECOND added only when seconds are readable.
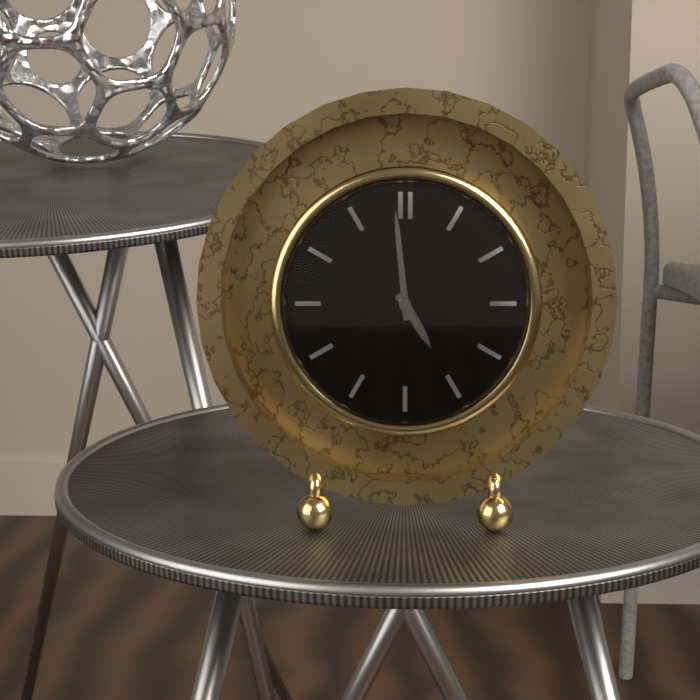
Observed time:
h=4 m=59
